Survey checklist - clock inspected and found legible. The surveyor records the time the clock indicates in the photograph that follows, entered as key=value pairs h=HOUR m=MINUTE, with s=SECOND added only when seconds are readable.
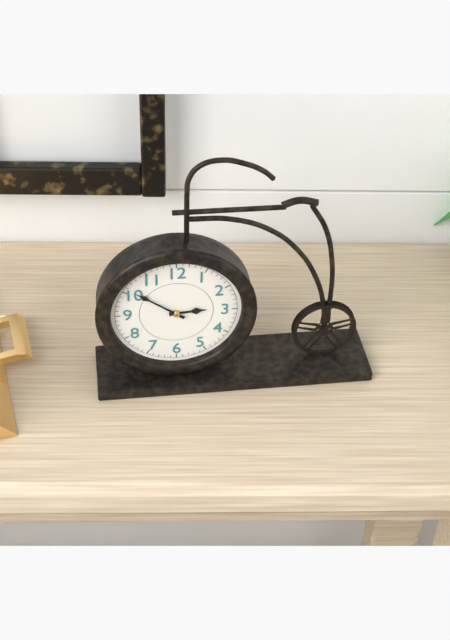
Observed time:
h=2 m=51
